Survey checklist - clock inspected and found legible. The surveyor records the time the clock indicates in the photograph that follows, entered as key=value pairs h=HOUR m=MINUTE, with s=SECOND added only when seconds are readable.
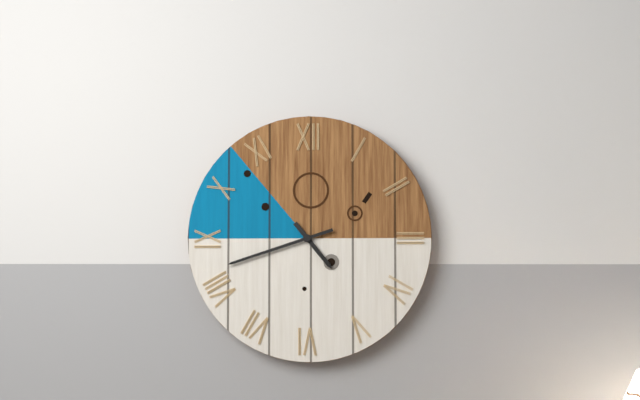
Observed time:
h=4 m=42
